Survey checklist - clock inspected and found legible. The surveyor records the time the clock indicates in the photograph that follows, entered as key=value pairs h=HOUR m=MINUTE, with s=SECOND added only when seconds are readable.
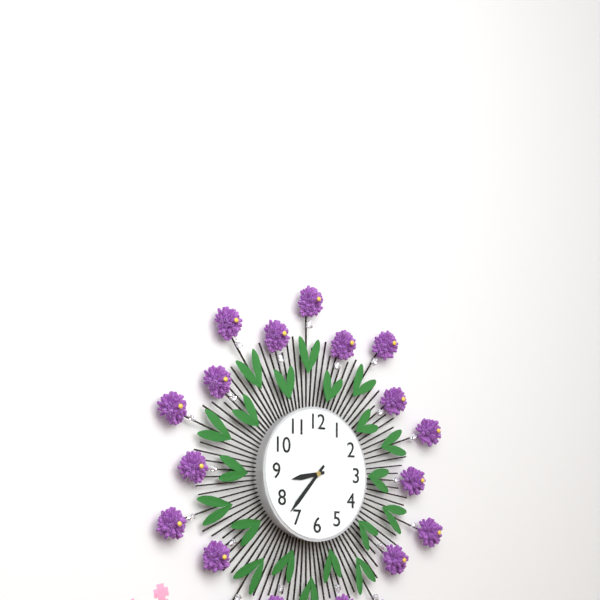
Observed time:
h=8 m=37
